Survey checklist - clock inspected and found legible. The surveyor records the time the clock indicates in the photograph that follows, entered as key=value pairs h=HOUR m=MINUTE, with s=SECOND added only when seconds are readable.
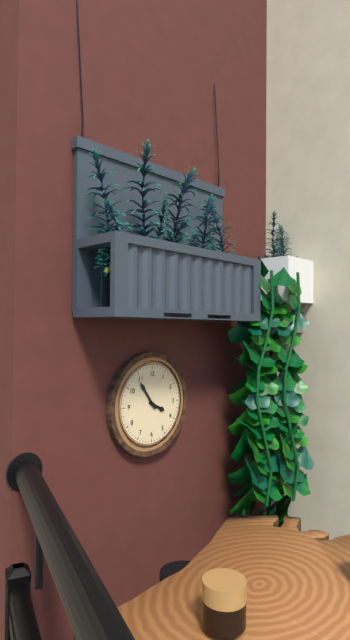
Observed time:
h=3 m=54
